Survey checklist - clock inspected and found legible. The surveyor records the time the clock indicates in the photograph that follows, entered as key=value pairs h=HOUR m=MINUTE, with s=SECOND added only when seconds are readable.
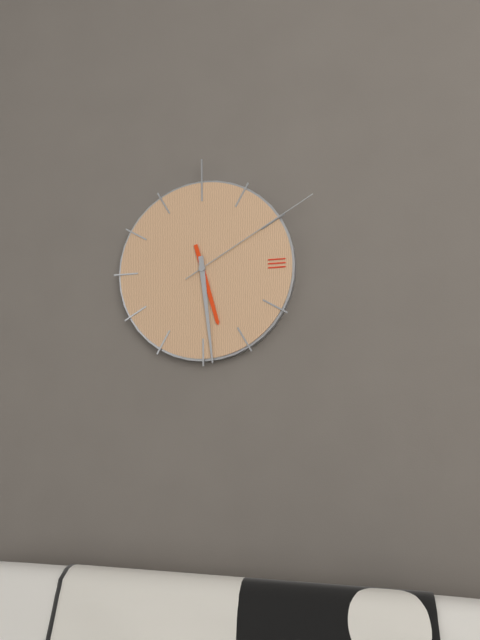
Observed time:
h=5 m=29 s=10
